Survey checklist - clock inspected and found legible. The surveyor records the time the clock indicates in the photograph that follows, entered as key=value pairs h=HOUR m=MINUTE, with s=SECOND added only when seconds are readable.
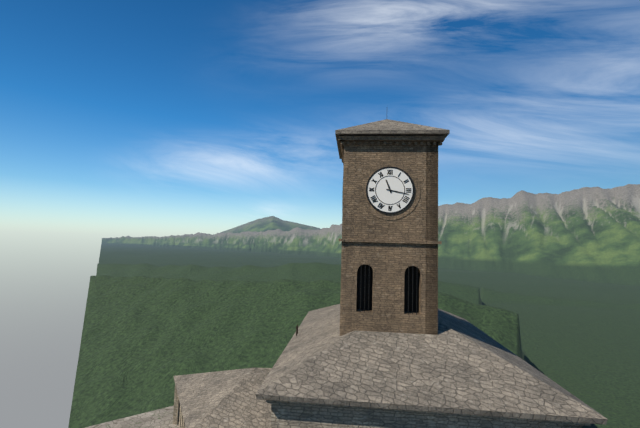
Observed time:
h=11 m=17
